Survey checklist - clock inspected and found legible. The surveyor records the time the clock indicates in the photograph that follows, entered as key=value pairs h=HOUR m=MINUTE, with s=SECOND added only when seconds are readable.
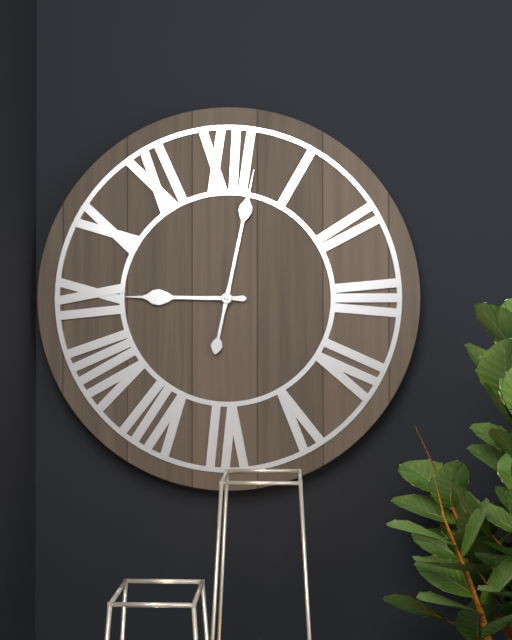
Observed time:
h=9 m=2
